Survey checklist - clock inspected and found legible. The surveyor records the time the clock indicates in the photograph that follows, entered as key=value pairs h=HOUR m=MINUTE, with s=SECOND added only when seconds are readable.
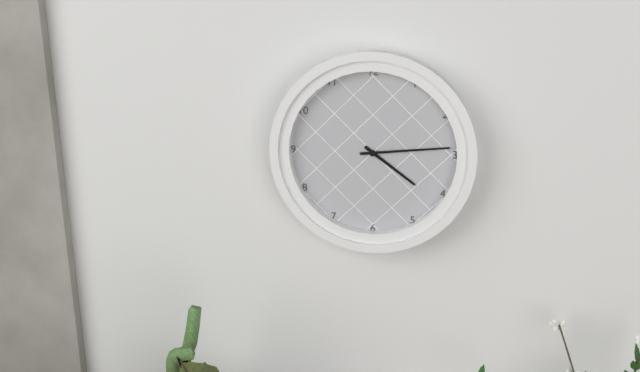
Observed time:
h=4 m=14
